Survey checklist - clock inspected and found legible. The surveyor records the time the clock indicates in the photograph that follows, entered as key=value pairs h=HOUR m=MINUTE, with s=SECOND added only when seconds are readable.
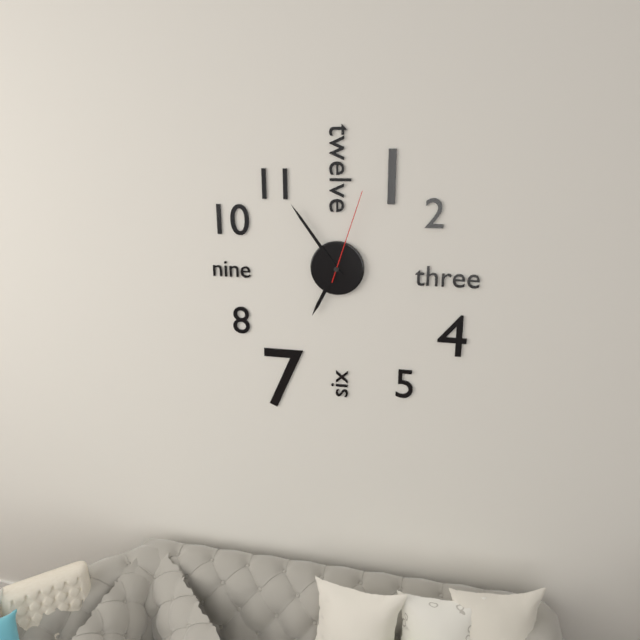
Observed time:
h=6 m=54 s=3
